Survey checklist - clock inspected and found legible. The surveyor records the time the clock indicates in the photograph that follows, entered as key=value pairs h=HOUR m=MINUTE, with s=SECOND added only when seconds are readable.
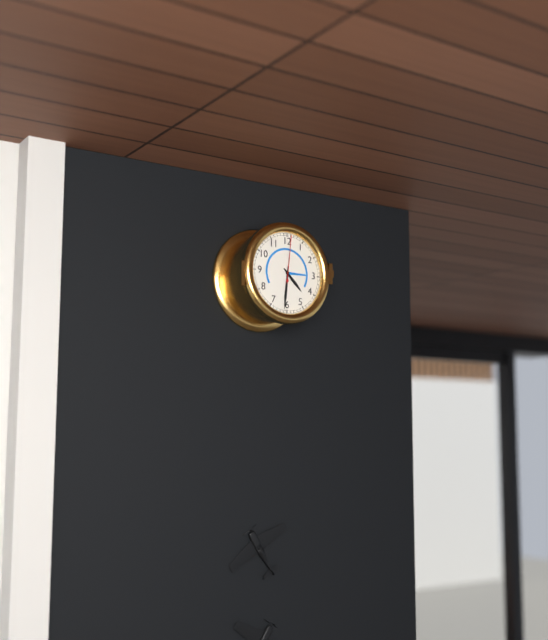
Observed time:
h=4 m=31
